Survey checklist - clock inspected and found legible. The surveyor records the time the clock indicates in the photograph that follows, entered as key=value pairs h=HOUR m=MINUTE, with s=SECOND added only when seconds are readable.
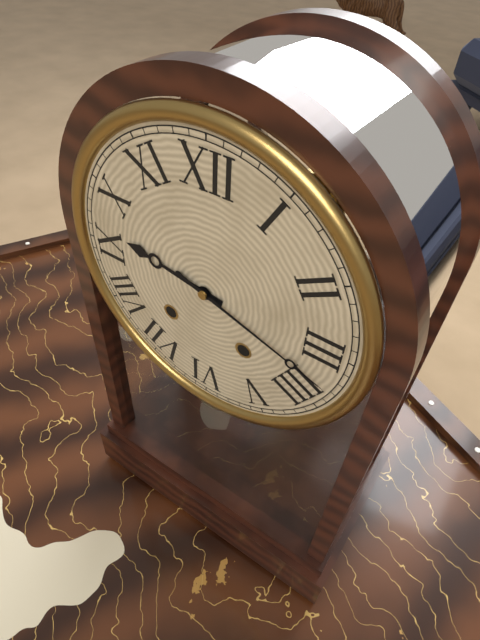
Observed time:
h=9 m=18
